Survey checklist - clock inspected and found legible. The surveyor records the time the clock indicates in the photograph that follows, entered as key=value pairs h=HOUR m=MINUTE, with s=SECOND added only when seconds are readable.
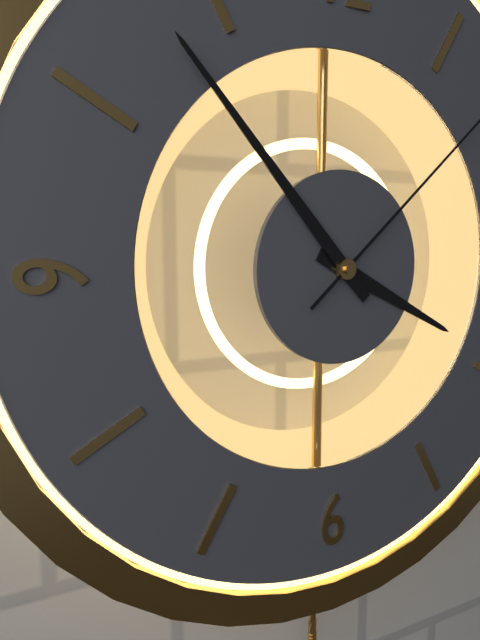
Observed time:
h=3 m=53
